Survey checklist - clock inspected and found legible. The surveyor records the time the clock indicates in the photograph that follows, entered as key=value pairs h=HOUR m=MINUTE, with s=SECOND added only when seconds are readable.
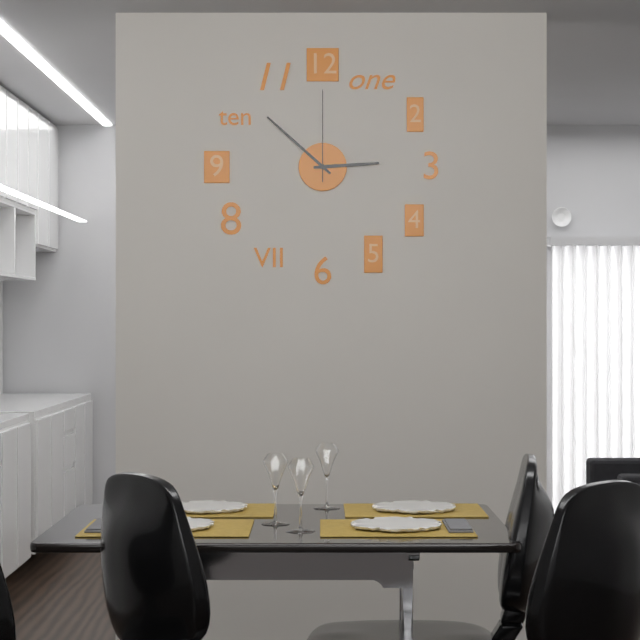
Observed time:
h=2 m=52 s=0
